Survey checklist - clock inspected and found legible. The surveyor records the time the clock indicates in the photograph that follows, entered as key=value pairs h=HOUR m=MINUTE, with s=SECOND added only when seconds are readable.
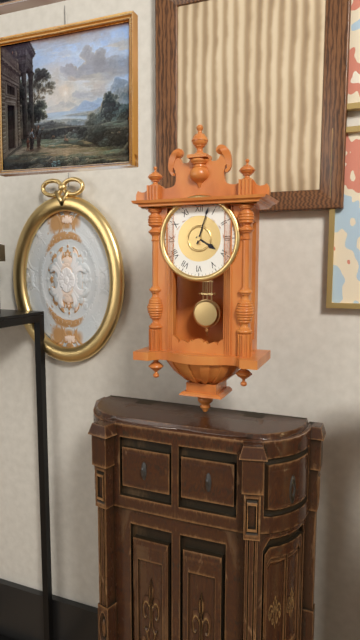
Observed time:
h=4 m=3
